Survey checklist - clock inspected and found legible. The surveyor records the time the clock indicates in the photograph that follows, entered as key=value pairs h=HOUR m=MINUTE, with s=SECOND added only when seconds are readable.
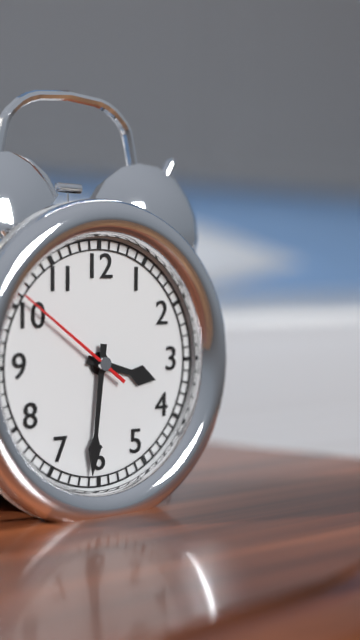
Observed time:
h=3 m=31 s=51
